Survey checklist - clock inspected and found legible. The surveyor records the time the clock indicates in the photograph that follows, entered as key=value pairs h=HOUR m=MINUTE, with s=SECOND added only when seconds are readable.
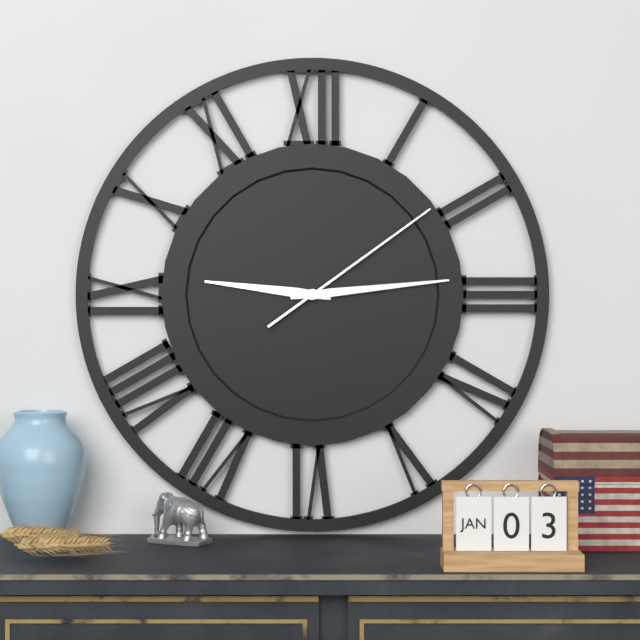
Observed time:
h=9 m=14 s=9
